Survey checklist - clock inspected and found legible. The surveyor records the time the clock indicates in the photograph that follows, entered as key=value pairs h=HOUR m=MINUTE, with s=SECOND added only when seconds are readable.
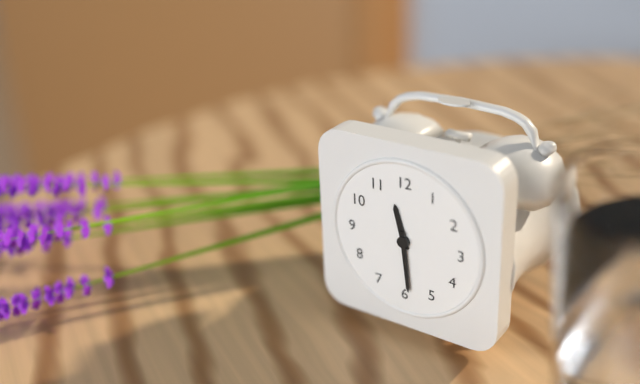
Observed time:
h=11 m=29
